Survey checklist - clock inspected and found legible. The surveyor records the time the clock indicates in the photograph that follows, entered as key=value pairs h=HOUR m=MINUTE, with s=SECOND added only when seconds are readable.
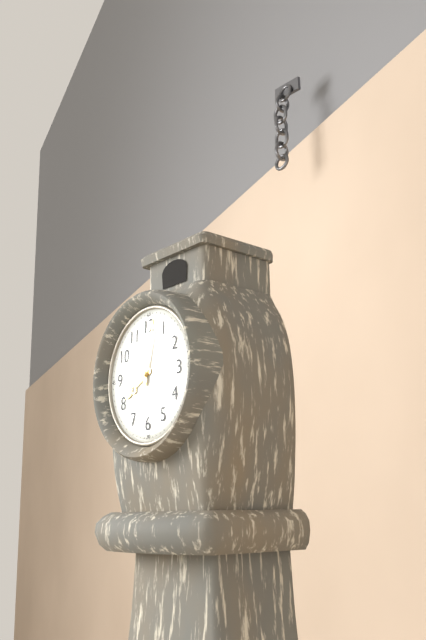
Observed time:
h=8 m=2
